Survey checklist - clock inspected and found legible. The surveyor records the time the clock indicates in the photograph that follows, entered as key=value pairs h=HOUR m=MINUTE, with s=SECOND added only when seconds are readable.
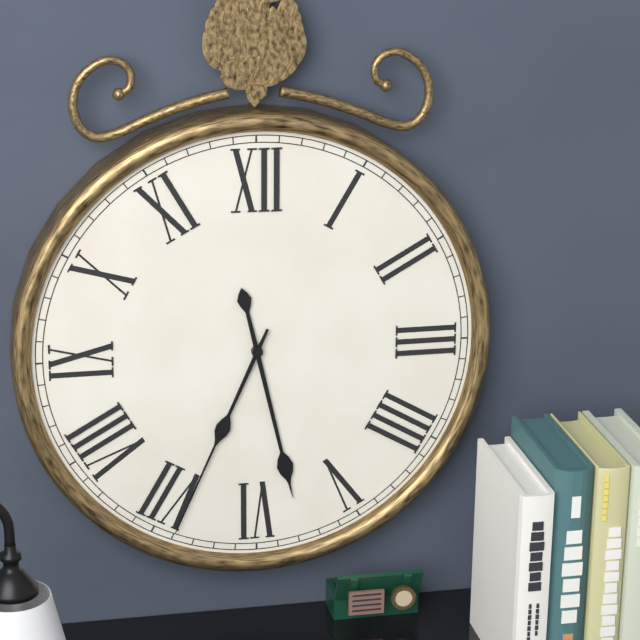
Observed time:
h=5 m=34
